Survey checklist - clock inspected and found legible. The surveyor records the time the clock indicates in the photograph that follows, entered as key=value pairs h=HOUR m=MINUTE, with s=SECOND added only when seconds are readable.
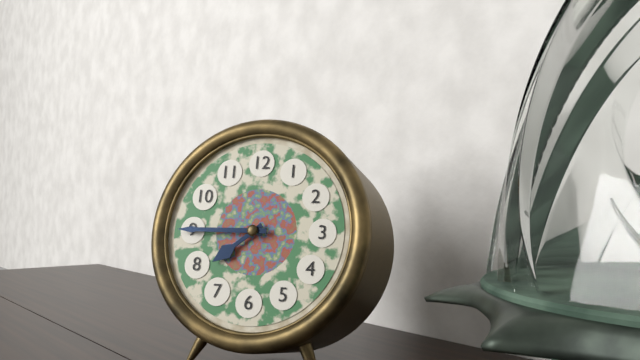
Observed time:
h=7 m=45
